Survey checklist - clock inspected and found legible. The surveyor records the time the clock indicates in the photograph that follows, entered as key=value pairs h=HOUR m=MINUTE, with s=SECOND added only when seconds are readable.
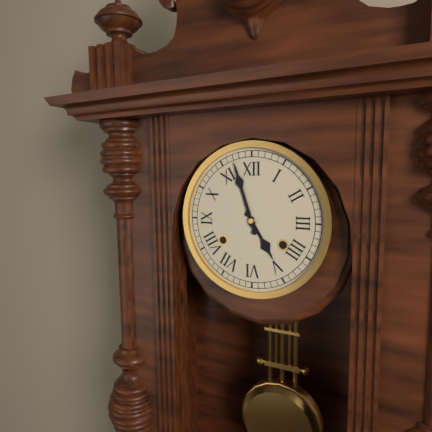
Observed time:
h=4 m=57
